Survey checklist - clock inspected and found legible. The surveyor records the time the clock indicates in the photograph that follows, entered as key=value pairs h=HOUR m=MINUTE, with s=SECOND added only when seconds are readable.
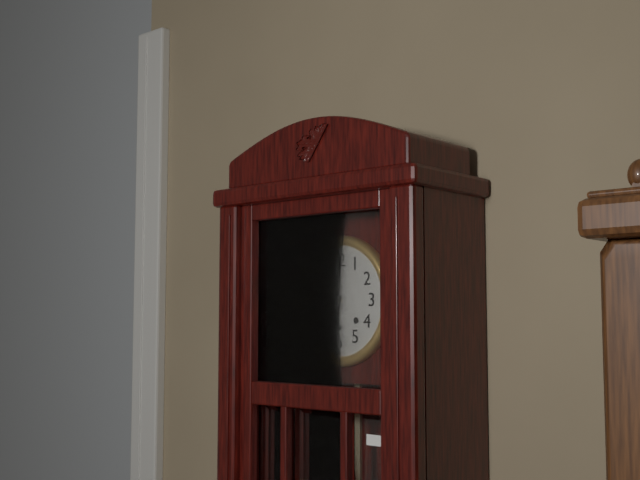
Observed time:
h=6 m=59
